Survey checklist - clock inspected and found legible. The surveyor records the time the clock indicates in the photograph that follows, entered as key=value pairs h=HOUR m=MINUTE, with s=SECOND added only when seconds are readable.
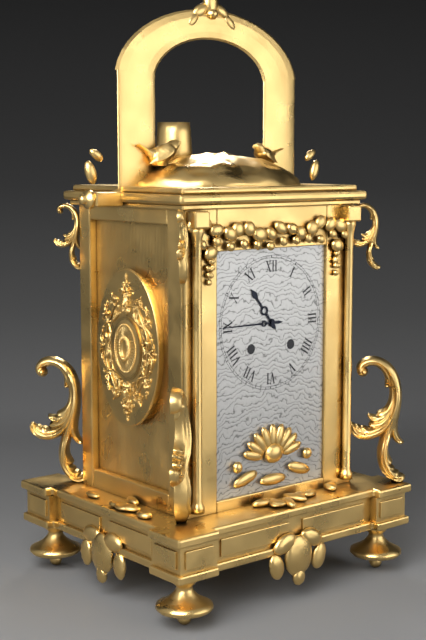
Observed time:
h=10 m=45
